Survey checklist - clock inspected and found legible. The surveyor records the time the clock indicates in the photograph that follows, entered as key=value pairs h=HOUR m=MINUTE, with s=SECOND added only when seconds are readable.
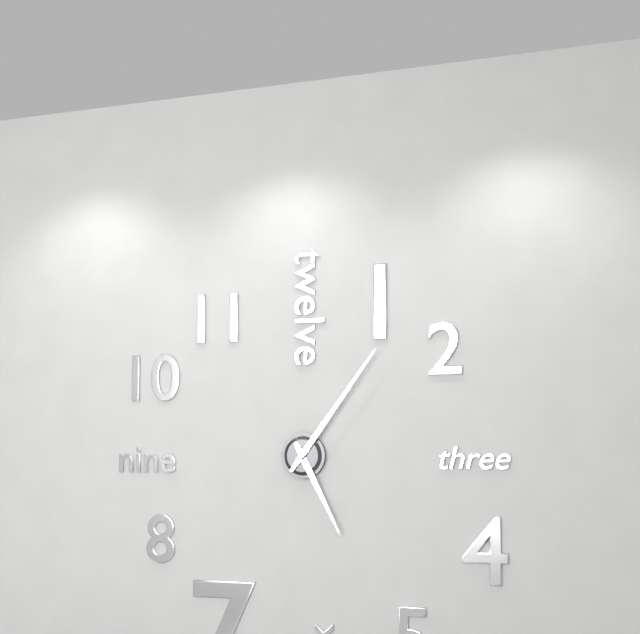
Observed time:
h=5 m=6
